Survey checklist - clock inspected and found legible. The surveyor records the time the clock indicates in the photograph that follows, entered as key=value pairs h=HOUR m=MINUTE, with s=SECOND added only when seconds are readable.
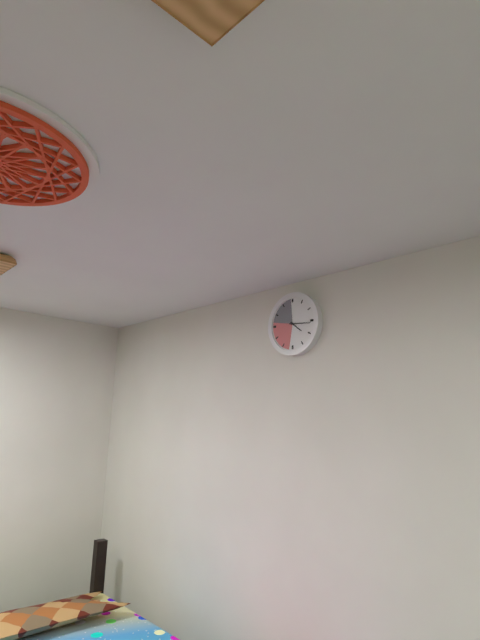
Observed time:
h=4 m=16
